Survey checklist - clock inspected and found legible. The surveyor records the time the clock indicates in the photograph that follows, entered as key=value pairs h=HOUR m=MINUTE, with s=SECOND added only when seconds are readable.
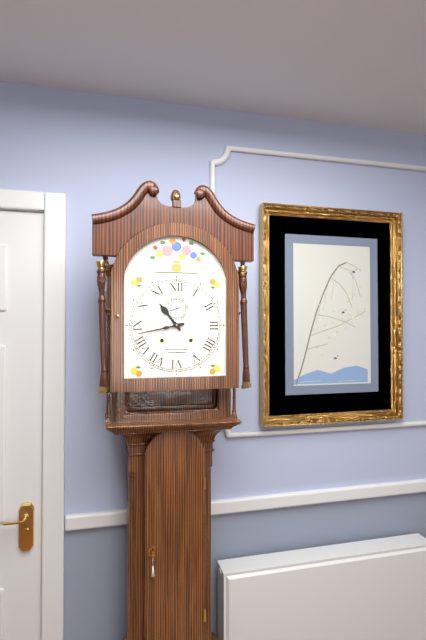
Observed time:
h=10 m=43
